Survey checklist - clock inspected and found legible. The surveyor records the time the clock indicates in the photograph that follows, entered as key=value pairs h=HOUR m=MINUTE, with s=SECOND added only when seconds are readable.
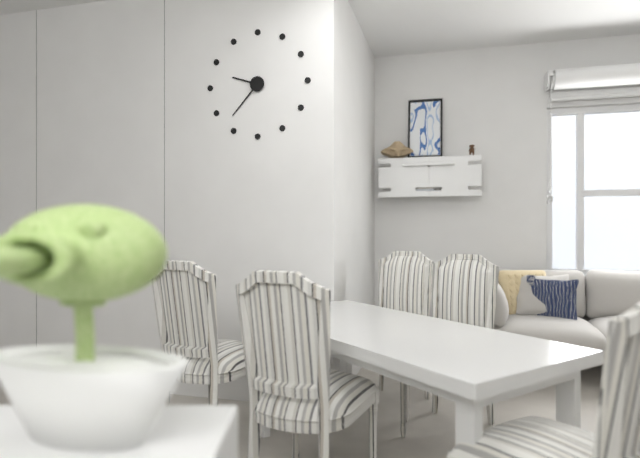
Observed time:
h=9 m=37
